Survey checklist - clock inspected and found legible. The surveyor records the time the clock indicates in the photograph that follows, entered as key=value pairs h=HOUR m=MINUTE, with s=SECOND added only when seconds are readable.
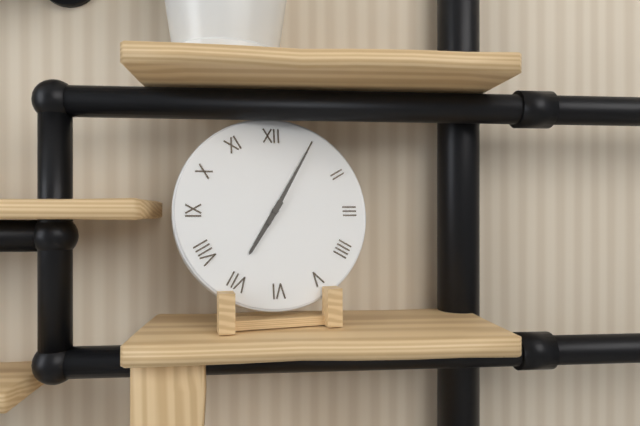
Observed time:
h=7 m=5
